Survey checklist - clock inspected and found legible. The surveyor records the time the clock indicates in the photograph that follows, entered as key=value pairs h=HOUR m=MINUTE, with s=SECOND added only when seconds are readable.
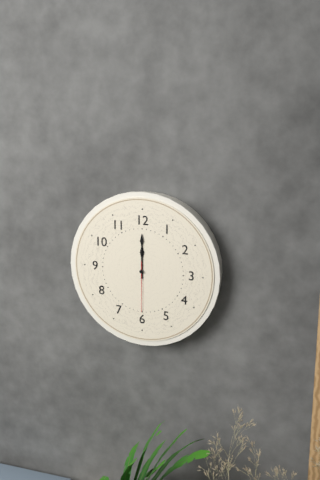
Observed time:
h=12 m=0 s=30
